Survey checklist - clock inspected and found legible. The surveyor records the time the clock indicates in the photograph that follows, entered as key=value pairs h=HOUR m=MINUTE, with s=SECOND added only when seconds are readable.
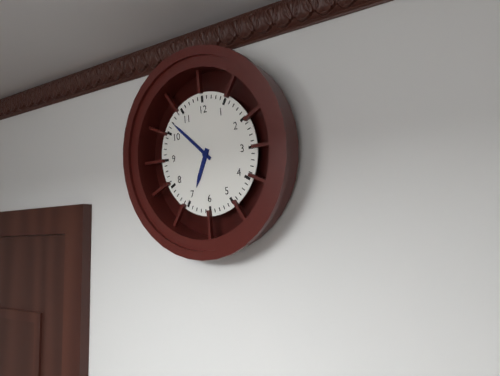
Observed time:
h=6 m=52
